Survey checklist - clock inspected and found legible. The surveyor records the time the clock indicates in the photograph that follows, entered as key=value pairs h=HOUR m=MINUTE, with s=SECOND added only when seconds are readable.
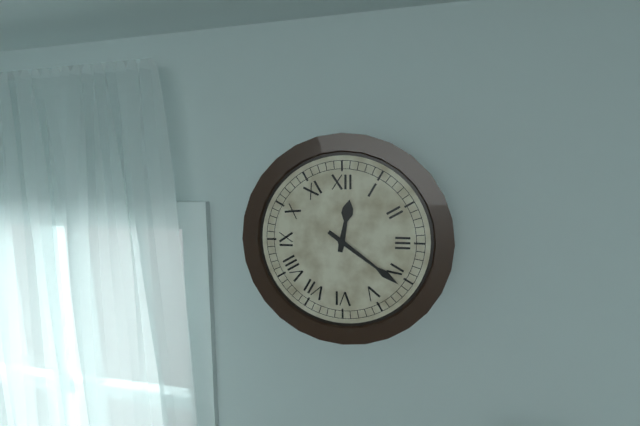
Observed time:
h=12 m=21
